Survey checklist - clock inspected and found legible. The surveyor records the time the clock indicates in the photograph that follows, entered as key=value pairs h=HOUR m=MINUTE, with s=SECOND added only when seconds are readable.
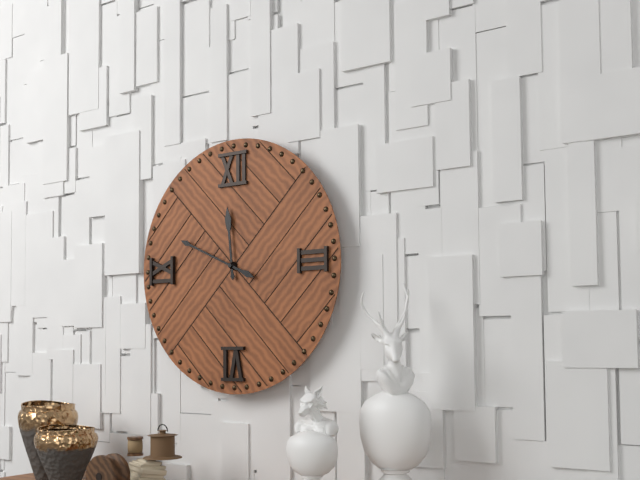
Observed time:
h=11 m=49
